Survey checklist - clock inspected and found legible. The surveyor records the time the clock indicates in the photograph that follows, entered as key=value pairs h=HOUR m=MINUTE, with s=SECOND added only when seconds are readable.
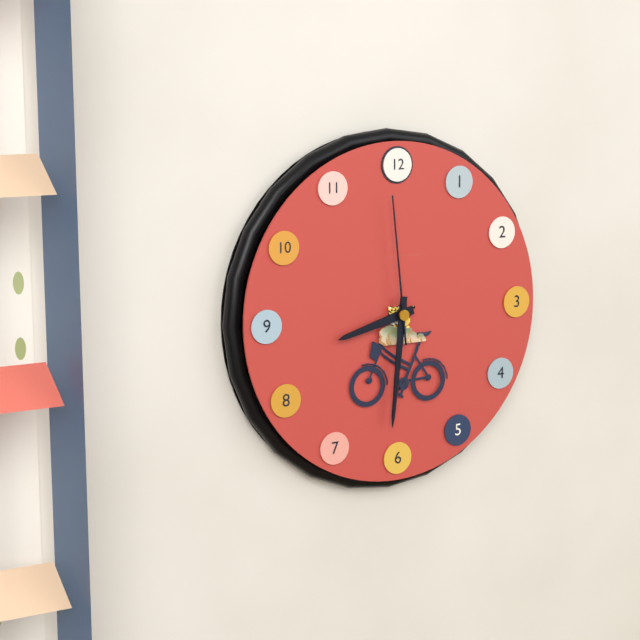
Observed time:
h=8 m=31 s=59
